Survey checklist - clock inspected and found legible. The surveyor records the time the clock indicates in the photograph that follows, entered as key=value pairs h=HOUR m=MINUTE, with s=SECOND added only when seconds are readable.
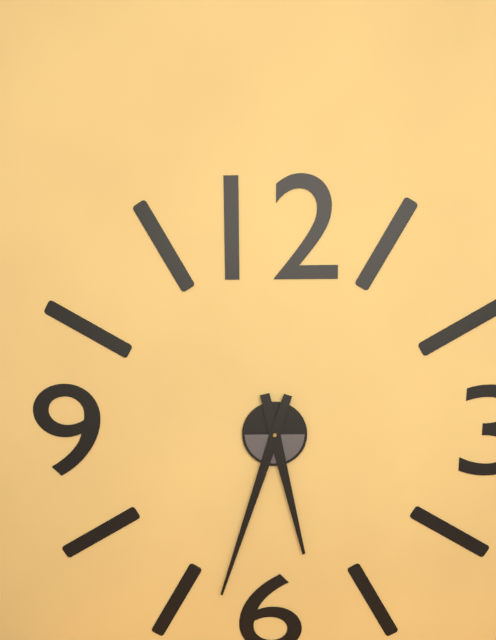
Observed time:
h=5 m=33
